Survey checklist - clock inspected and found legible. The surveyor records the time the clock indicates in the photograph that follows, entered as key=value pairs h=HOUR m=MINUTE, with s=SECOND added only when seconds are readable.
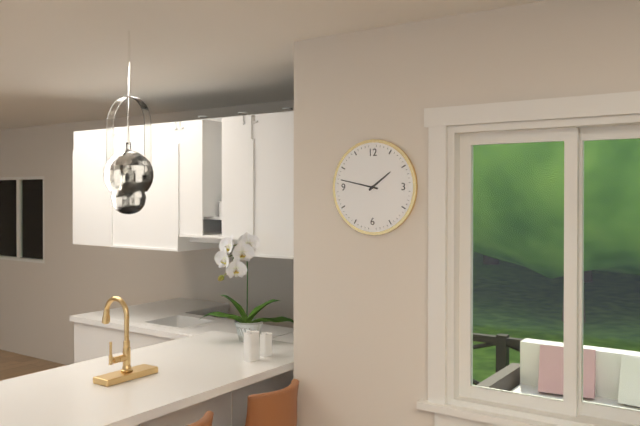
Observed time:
h=1 m=47
